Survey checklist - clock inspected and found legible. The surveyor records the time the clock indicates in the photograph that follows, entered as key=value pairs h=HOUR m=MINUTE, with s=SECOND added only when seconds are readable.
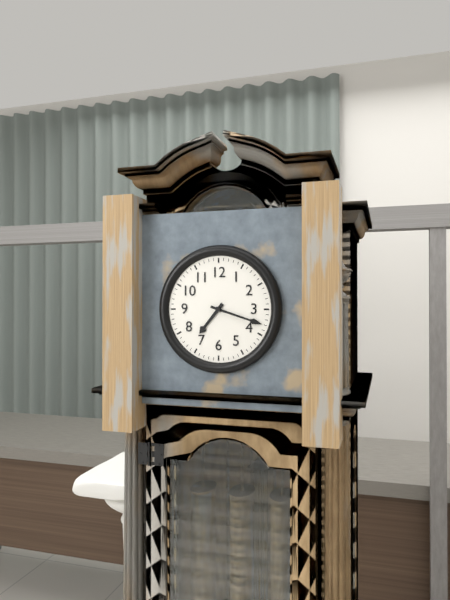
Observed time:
h=7 m=18
